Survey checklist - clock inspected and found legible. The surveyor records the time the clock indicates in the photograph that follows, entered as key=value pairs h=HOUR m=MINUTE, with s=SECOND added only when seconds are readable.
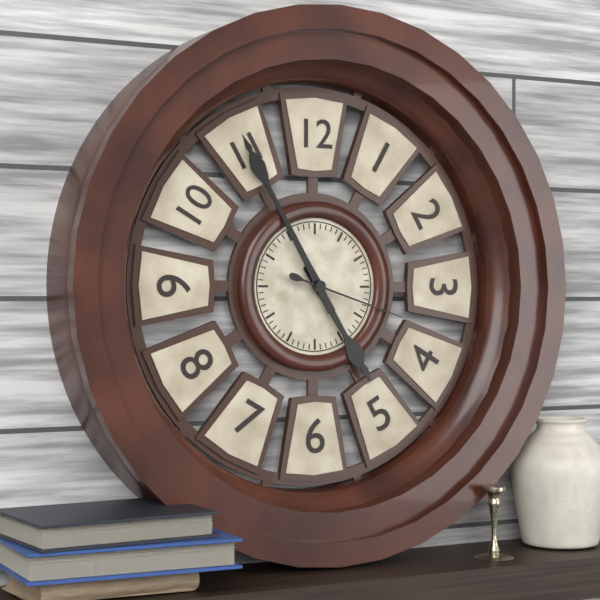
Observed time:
h=4 m=55 s=18
